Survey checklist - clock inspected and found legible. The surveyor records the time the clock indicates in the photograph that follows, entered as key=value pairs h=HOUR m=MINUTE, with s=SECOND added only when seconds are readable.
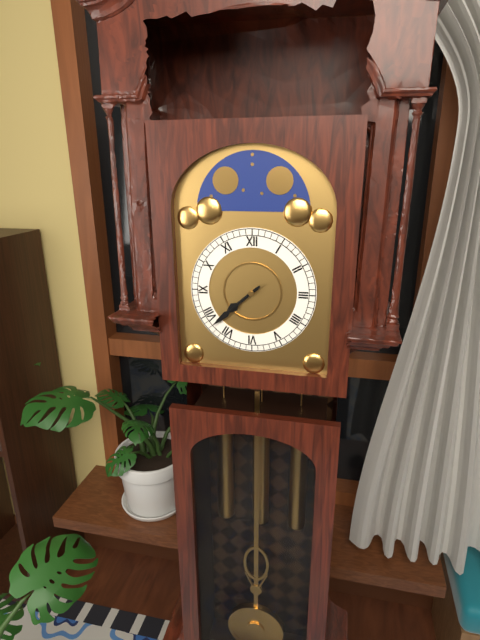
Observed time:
h=7 m=38
